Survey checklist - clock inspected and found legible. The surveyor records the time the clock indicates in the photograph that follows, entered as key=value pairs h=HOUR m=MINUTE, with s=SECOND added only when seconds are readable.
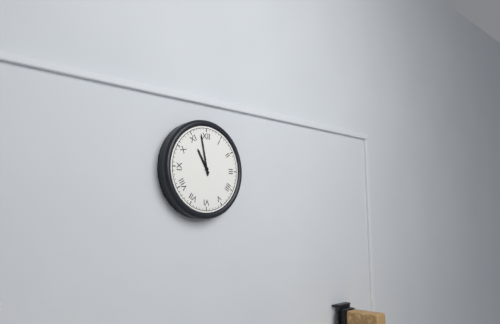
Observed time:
h=10 m=58
